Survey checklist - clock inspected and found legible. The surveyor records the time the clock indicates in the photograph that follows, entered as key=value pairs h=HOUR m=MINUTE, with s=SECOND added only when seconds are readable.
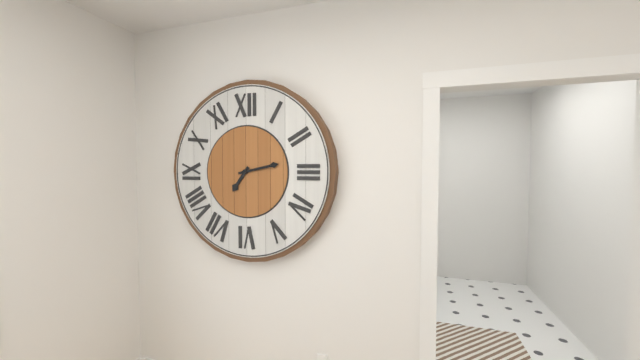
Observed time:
h=7 m=13
